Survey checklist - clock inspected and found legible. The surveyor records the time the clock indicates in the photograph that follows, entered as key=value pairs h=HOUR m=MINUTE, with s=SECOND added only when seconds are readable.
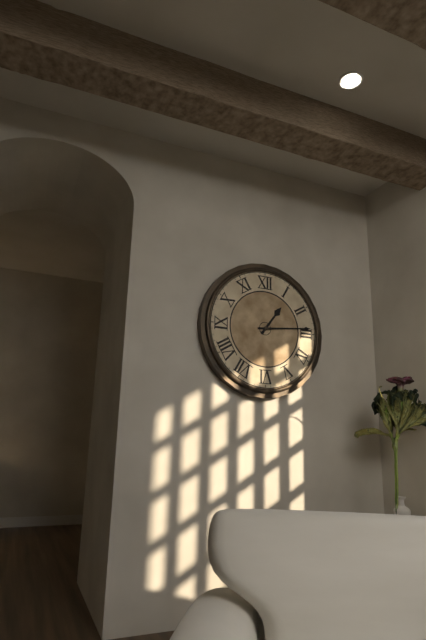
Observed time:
h=1 m=14
